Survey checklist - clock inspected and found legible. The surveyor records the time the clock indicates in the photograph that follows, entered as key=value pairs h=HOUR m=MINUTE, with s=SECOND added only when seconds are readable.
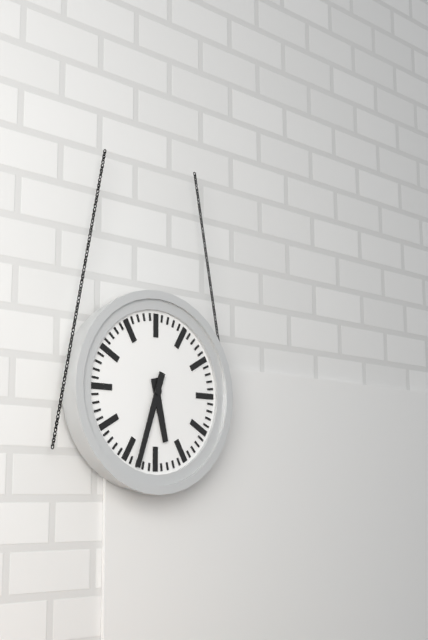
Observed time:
h=5 m=33
